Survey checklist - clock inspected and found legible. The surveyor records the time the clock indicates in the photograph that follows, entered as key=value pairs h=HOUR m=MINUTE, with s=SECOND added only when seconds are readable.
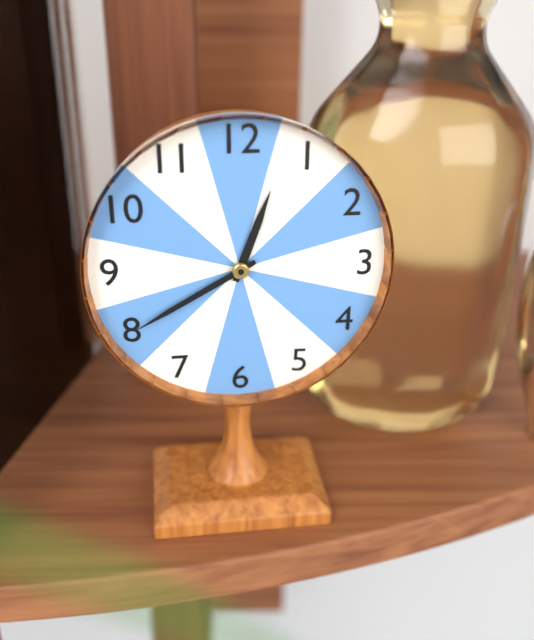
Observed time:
h=12 m=40
